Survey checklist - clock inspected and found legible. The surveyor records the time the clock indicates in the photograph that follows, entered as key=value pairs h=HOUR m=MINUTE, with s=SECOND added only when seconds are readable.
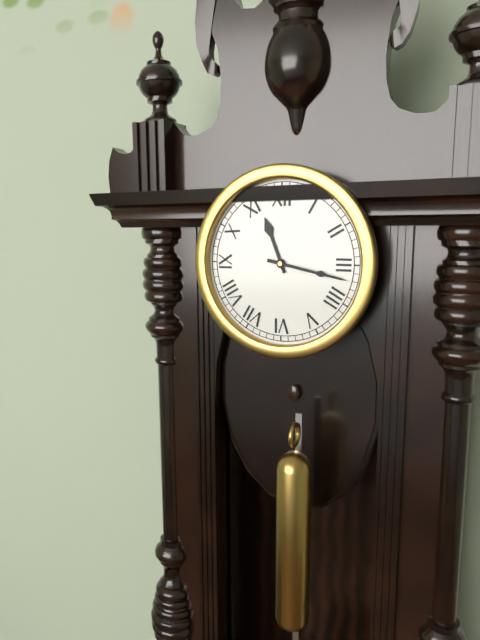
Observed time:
h=11 m=17
